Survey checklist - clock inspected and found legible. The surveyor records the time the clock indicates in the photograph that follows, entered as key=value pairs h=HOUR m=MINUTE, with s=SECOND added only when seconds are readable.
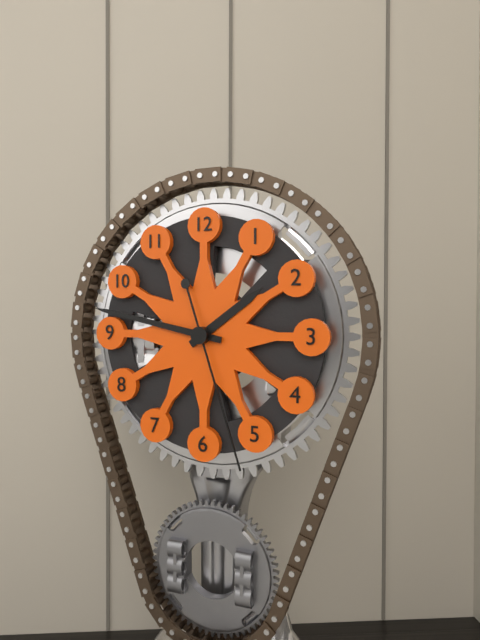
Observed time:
h=1 m=47 s=27
